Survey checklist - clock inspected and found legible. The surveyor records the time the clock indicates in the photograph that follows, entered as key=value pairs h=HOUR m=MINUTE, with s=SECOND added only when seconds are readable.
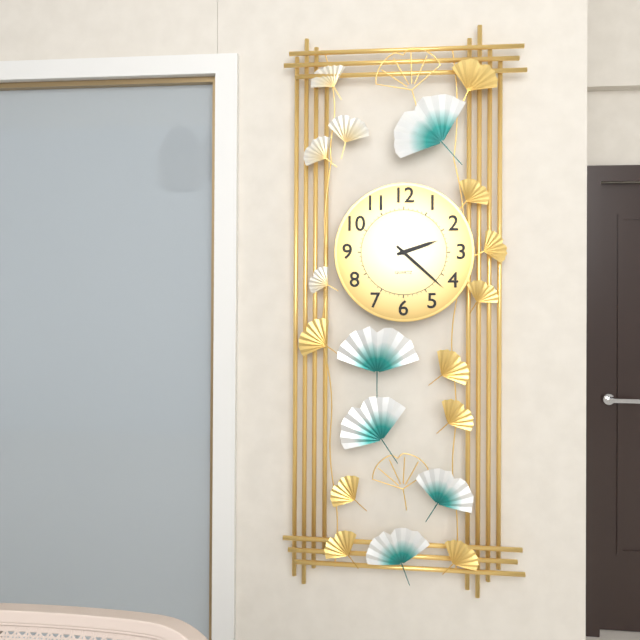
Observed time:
h=2 m=22
